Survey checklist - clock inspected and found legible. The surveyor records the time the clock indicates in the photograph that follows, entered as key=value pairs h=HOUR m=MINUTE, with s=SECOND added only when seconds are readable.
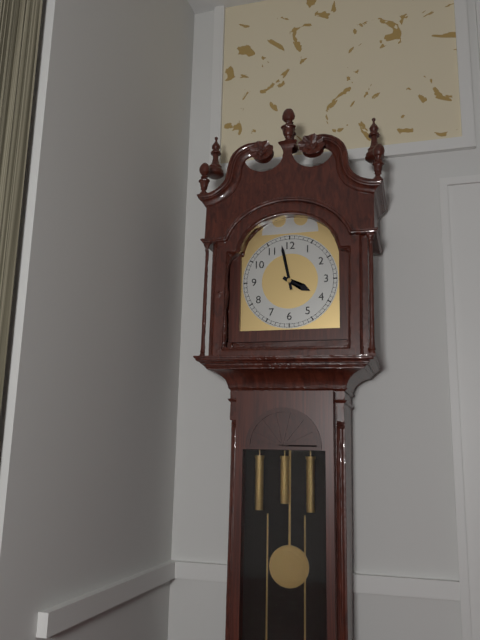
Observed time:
h=3 m=58
